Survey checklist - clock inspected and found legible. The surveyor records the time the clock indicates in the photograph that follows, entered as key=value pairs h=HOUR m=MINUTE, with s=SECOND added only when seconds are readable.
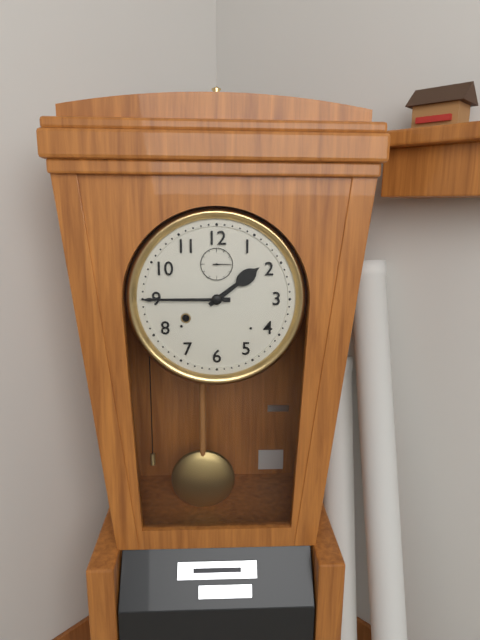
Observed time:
h=1 m=45
